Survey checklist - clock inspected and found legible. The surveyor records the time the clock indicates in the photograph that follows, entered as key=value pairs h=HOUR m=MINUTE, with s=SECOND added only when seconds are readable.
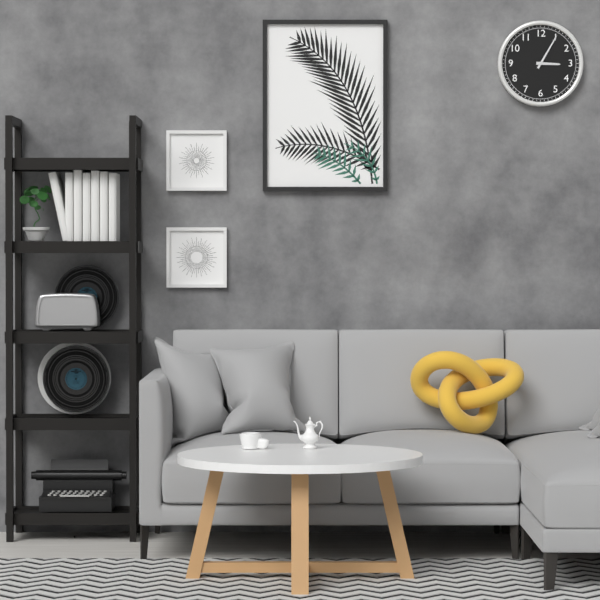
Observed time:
h=3 m=5
